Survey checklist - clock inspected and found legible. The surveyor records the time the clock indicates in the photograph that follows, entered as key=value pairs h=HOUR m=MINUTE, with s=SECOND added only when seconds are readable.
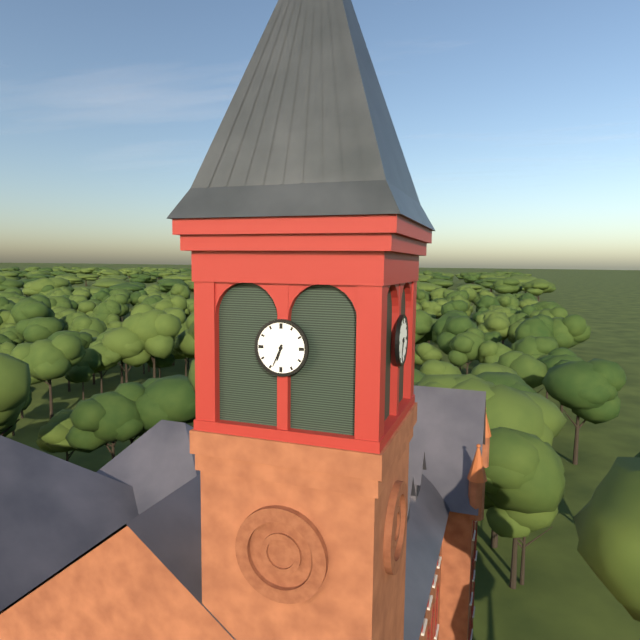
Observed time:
h=6 m=34
